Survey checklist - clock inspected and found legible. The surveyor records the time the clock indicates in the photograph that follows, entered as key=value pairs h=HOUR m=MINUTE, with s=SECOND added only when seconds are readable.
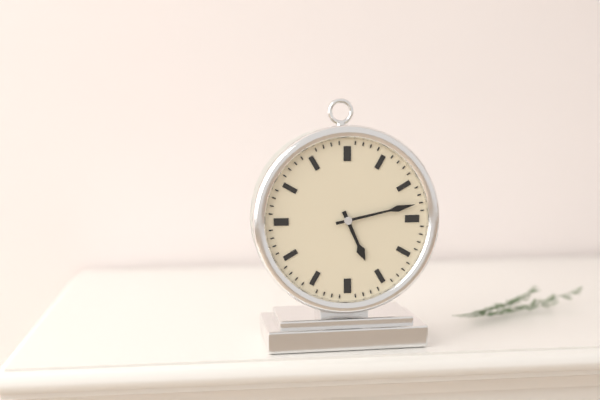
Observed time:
h=5 m=13
